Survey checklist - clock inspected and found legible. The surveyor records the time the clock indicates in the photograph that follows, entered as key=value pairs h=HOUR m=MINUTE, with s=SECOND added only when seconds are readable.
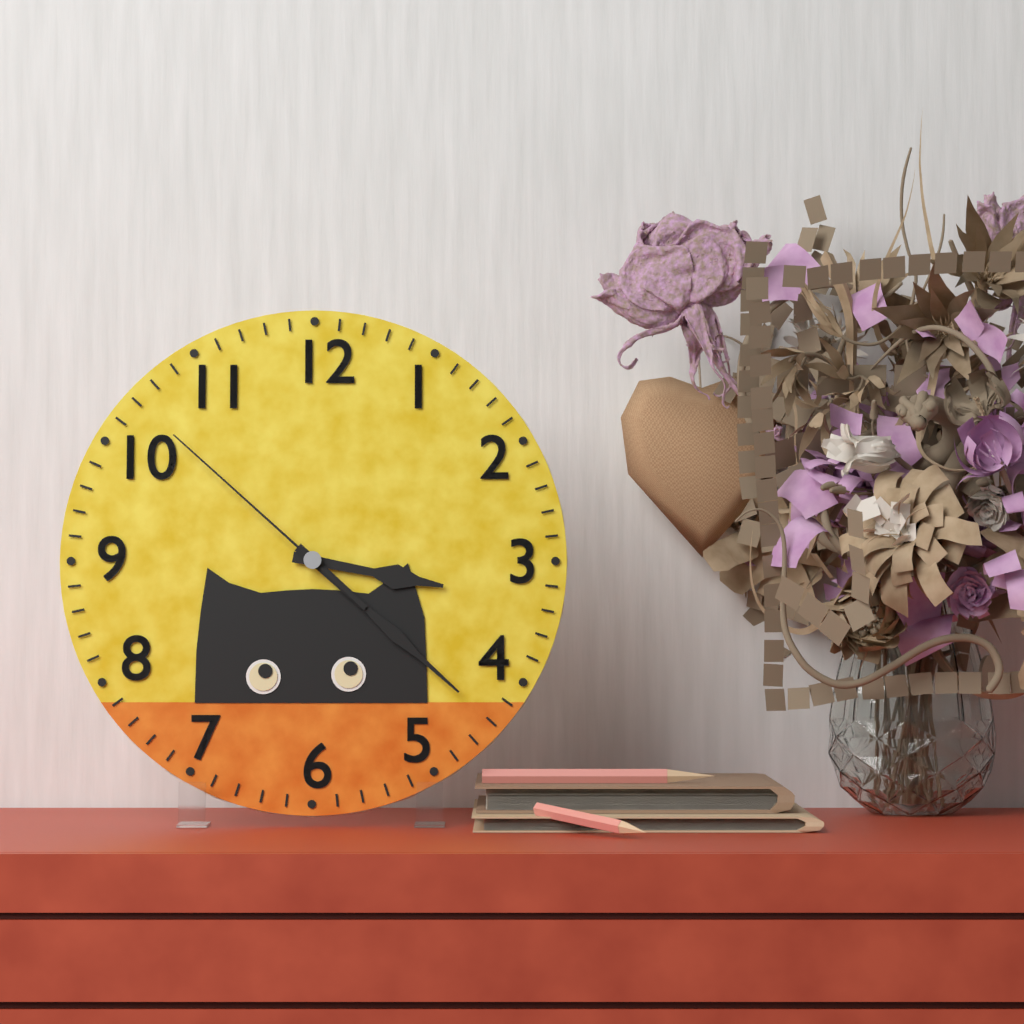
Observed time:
h=3 m=22 s=52
